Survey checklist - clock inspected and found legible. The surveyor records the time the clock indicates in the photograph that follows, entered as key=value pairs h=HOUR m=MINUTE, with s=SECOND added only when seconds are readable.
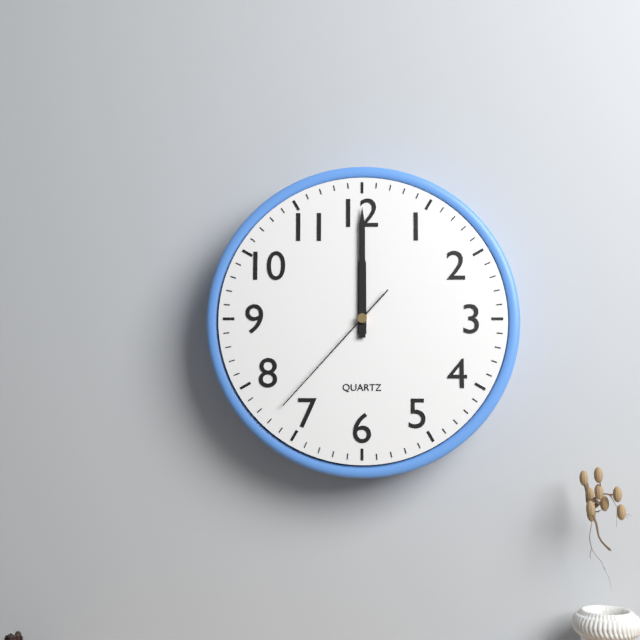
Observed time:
h=12 m=0 s=37
